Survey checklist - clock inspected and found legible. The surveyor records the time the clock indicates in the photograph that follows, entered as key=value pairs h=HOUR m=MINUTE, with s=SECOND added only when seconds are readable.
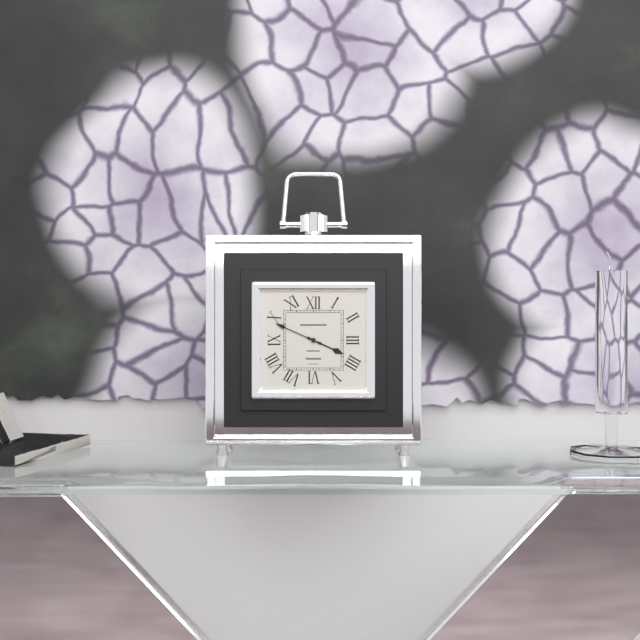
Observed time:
h=3 m=49
